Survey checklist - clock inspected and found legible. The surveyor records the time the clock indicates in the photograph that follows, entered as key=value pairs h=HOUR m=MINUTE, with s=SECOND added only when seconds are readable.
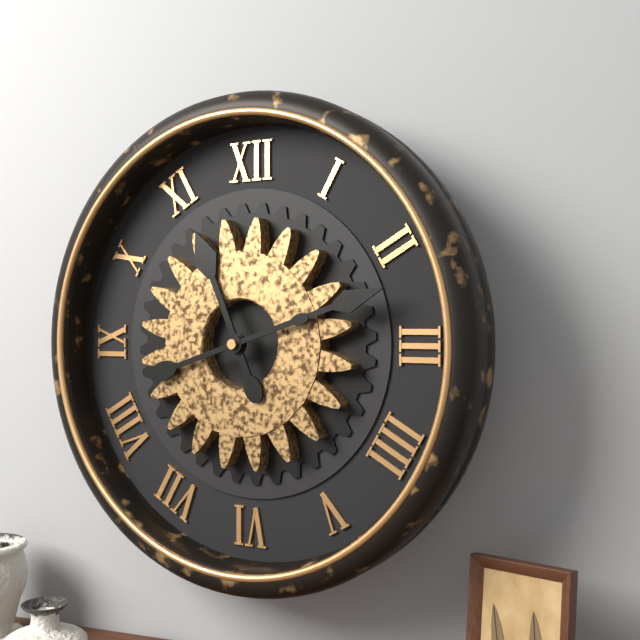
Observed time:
h=11 m=12
